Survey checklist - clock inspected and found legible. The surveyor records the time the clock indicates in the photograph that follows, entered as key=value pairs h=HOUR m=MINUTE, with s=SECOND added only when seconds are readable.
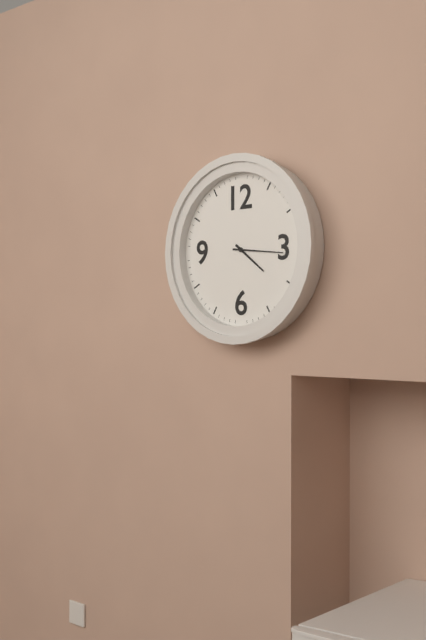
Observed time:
h=4 m=16
